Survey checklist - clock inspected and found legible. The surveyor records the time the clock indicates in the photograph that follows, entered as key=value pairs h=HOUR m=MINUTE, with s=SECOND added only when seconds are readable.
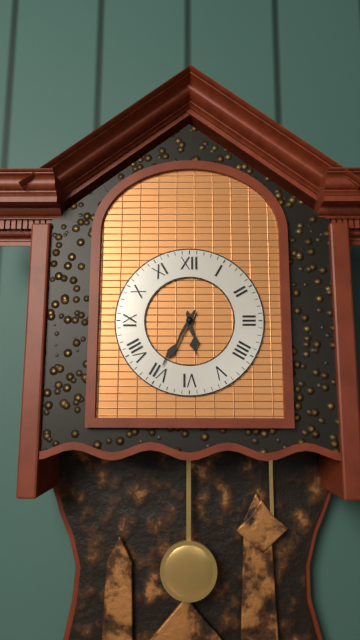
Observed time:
h=5 m=35
